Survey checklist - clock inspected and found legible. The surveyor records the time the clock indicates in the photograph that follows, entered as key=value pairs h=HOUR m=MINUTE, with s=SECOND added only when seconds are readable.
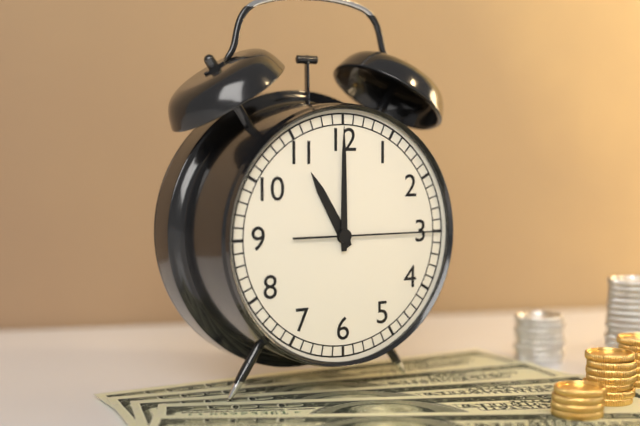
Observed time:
h=11 m=0 s=15
